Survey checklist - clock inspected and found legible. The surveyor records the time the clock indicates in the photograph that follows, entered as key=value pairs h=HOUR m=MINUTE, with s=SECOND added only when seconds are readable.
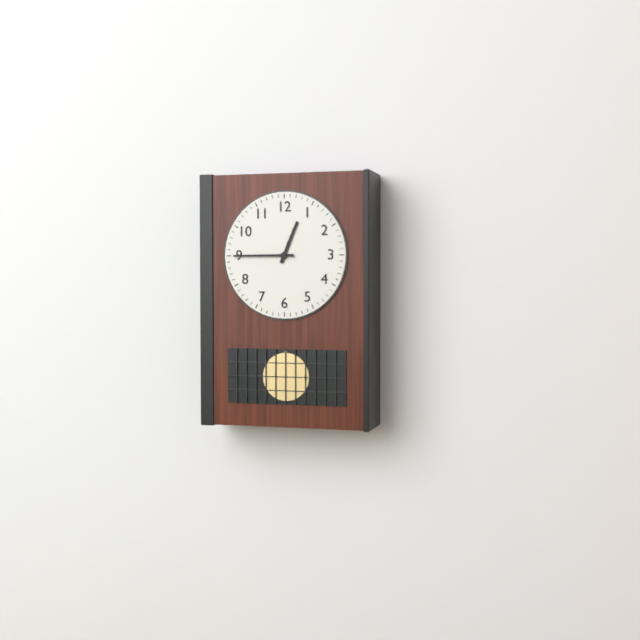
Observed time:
h=12 m=45
